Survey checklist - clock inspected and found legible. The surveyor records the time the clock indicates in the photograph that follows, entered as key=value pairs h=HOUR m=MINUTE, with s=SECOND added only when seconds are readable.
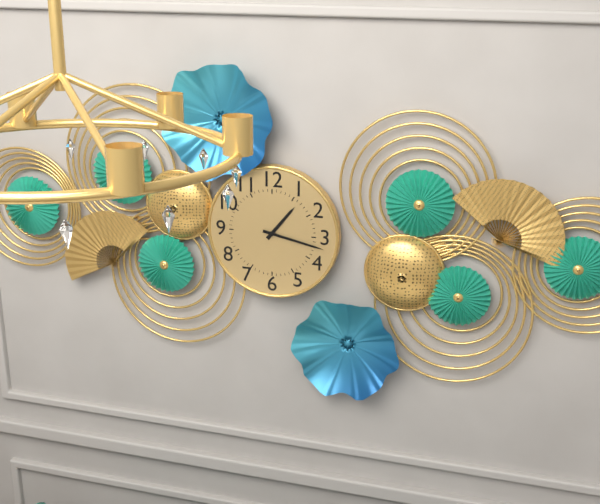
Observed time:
h=1 m=17
